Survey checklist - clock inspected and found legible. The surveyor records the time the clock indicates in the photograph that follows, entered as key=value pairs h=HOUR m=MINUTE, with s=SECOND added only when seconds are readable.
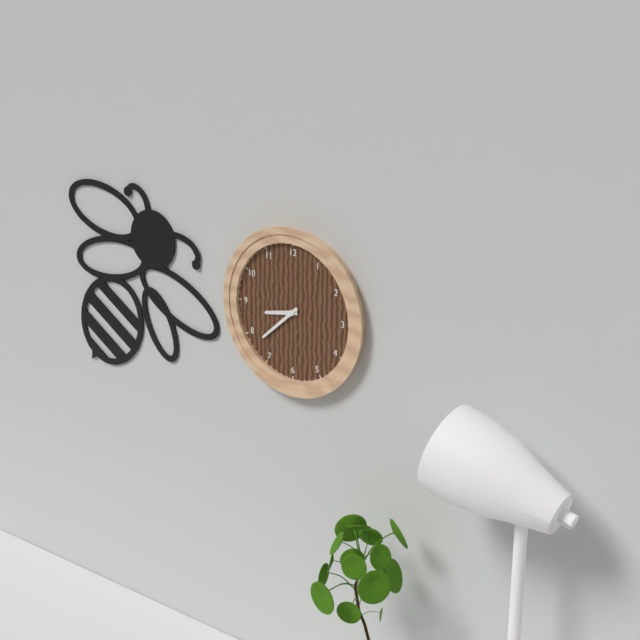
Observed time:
h=8 m=38
